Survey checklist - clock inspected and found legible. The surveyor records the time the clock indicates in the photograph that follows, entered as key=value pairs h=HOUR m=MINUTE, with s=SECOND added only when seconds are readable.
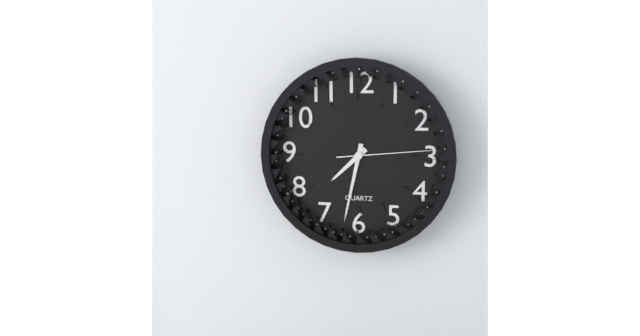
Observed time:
h=7 m=32 s=14
